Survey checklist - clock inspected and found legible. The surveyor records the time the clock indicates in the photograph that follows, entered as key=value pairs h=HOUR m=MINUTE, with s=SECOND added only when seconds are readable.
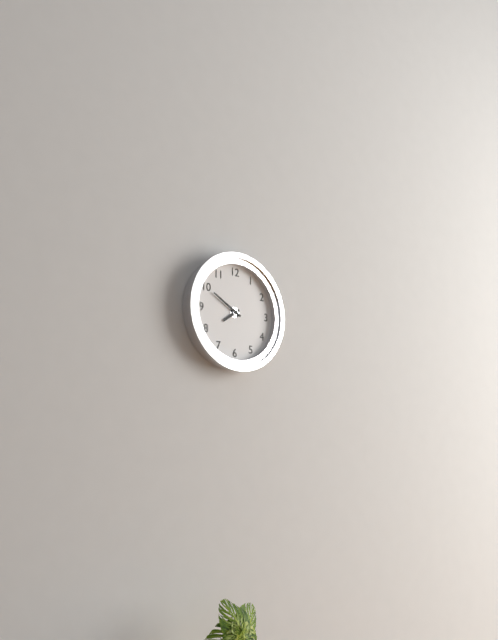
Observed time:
h=7 m=50
